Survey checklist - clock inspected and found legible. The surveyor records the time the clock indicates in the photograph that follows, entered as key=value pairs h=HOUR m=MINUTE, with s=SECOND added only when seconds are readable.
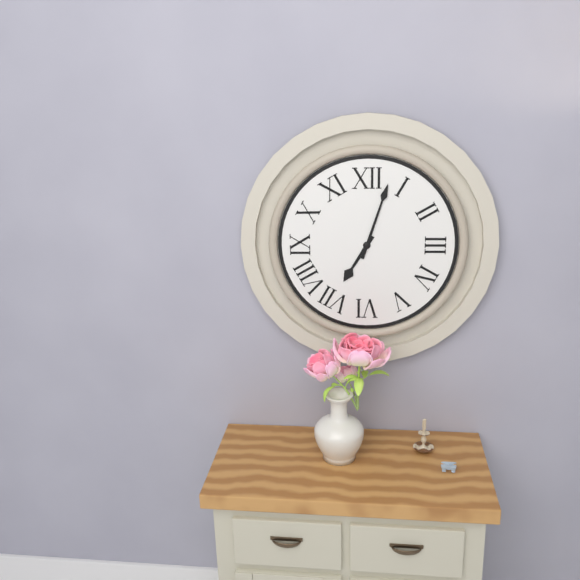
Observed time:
h=7 m=3
